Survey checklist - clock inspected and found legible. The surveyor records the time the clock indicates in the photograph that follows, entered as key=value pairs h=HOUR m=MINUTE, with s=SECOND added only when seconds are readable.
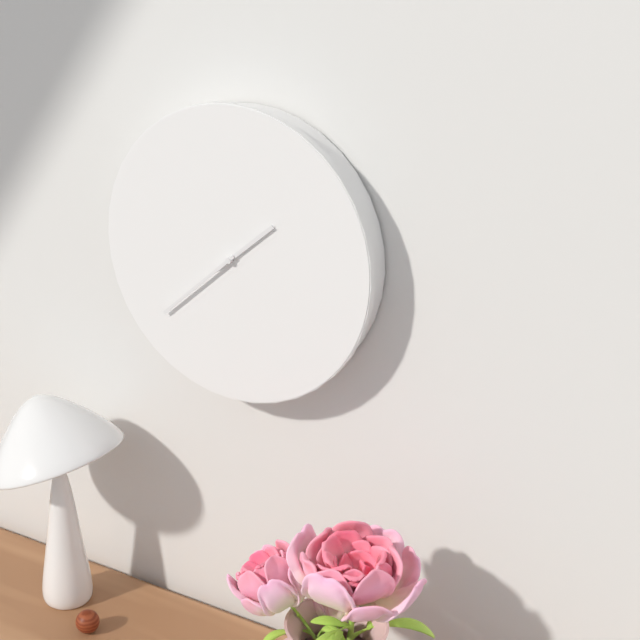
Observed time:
h=1 m=38
